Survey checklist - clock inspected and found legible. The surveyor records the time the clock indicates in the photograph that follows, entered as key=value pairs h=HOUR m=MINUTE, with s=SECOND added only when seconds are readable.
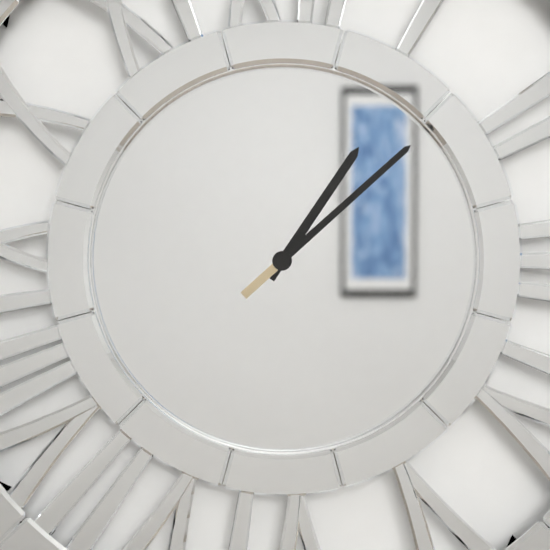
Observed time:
h=1 m=8
